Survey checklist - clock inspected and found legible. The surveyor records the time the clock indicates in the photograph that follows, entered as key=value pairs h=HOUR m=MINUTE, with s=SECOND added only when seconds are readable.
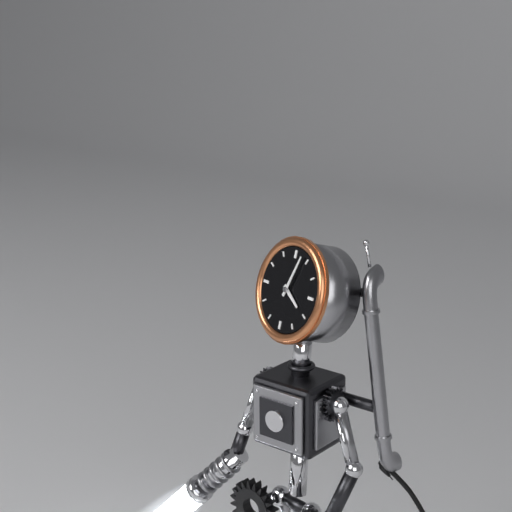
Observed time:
h=4 m=3
